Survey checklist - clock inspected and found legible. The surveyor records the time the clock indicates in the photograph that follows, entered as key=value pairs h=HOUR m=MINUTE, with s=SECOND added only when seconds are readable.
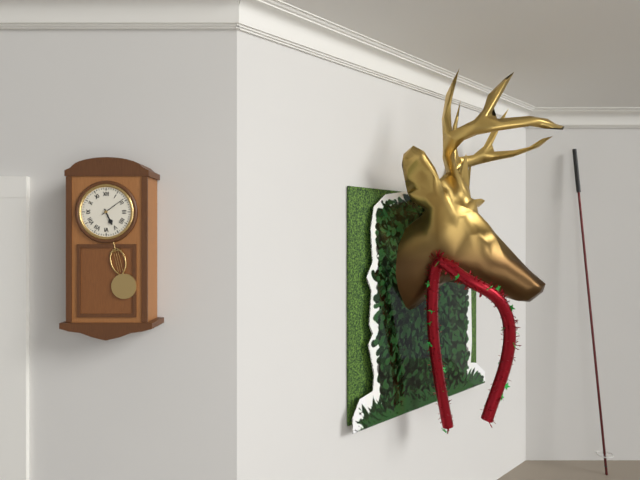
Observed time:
h=5 m=9
